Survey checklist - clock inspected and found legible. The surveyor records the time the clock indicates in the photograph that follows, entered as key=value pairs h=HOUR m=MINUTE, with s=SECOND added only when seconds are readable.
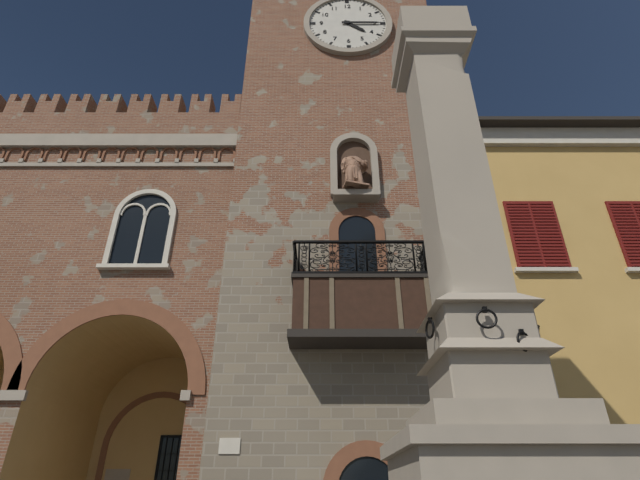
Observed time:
h=4 m=15
